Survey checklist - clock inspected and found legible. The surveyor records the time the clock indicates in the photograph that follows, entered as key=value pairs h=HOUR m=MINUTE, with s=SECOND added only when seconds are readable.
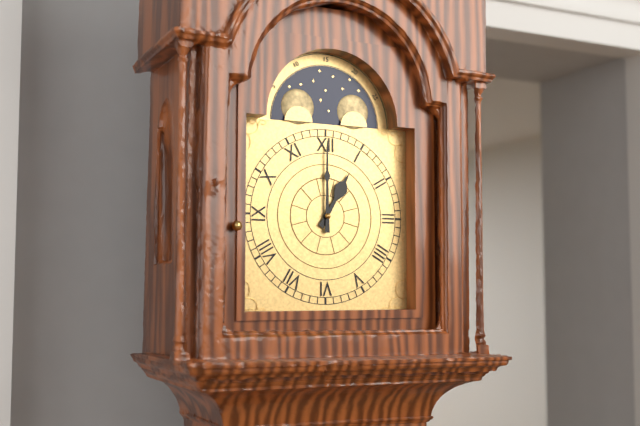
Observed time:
h=1 m=0
